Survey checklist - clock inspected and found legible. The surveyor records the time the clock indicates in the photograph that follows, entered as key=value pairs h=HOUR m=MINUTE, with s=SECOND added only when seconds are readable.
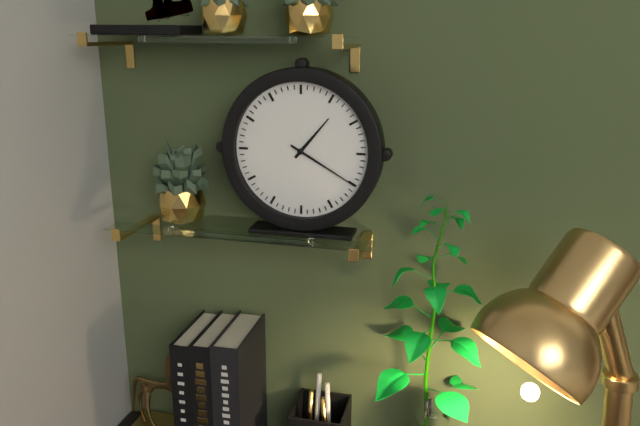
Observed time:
h=1 m=20
